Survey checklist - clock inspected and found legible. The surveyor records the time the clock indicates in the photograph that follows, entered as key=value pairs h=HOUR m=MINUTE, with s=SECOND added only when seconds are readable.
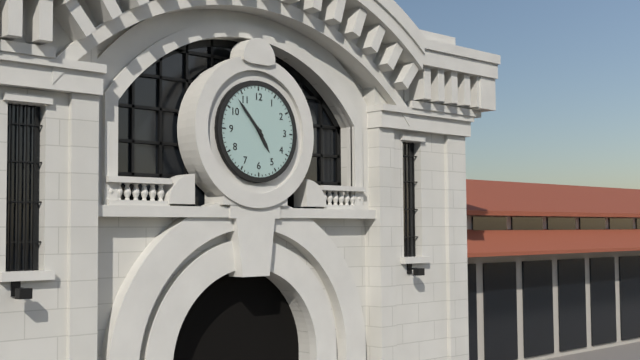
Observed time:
h=4 m=53
